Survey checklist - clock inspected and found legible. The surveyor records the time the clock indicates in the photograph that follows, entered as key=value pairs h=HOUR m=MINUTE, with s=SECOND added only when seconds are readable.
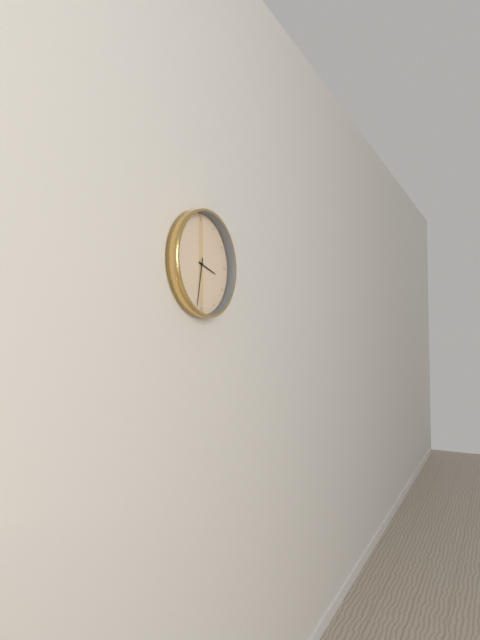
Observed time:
h=3 m=32
